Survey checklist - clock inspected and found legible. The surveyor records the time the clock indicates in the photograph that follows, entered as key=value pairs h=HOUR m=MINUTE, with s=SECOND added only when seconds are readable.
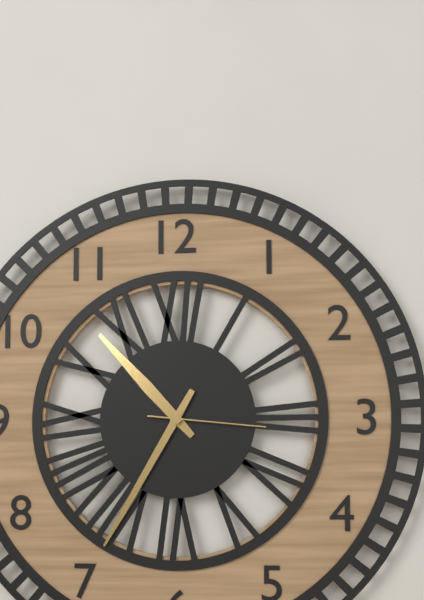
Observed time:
h=10 m=35 s=16
